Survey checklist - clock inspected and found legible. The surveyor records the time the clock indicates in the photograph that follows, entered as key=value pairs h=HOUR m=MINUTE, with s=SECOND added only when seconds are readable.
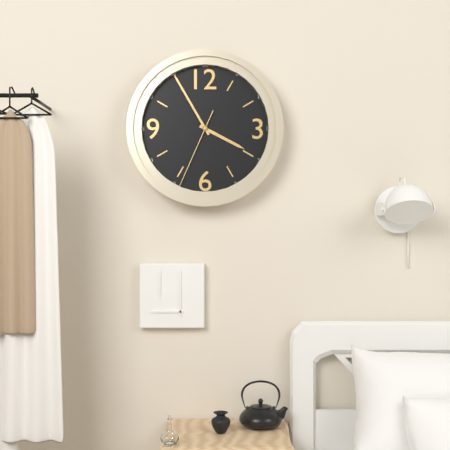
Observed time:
h=3 m=55 s=34
